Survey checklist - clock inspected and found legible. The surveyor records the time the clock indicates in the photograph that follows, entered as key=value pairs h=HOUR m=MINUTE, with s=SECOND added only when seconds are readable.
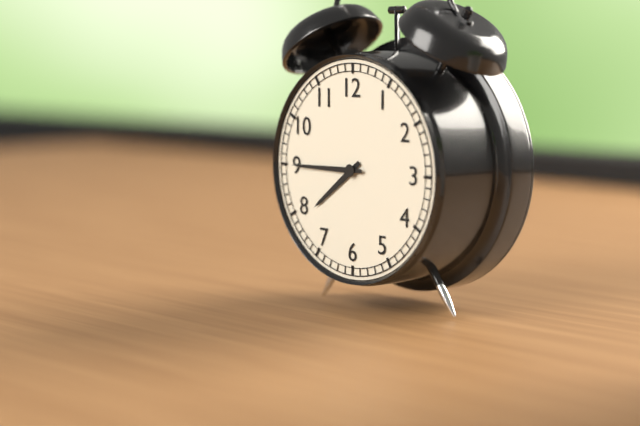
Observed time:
h=7 m=45
